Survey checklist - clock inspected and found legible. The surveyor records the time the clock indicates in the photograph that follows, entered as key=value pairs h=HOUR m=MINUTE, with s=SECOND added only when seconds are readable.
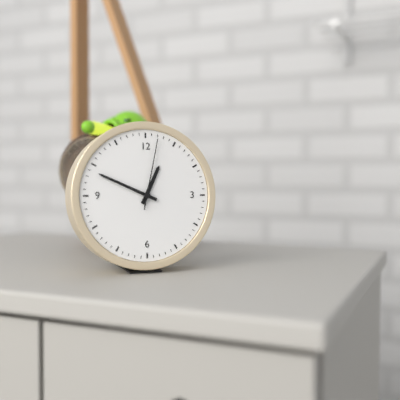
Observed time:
h=12 m=49 s=2
